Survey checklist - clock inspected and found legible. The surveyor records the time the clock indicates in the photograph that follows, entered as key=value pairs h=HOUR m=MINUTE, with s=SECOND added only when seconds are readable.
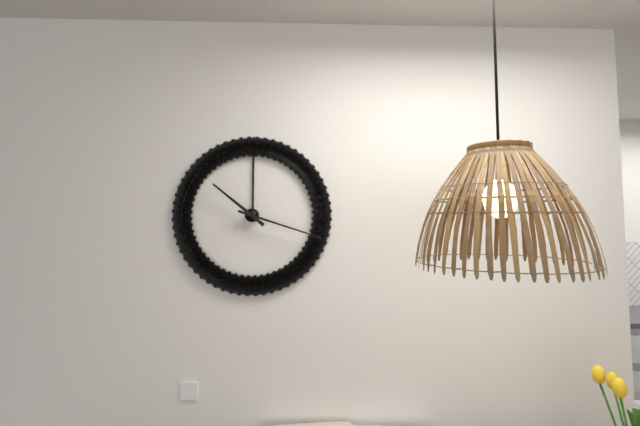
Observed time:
h=10 m=18
